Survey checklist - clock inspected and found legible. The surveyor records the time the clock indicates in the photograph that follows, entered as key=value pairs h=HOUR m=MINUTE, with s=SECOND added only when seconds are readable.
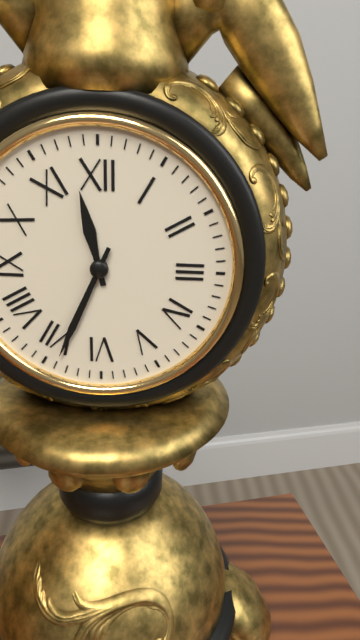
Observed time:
h=11 m=34
